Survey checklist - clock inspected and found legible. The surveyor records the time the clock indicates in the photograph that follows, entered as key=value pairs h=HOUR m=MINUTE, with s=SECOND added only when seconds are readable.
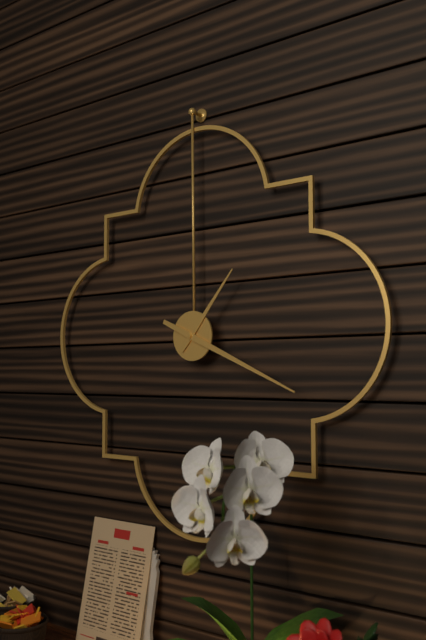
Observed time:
h=1 m=19
